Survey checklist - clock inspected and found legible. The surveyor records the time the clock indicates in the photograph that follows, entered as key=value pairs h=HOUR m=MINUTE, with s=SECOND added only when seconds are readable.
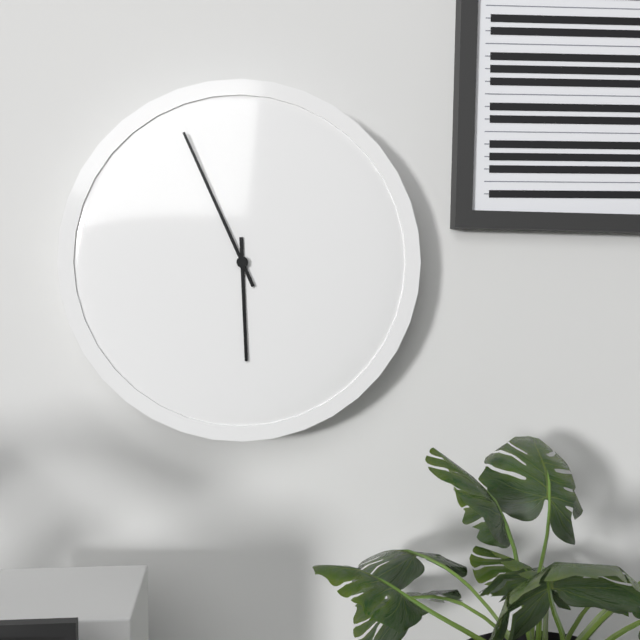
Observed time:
h=5 m=56
